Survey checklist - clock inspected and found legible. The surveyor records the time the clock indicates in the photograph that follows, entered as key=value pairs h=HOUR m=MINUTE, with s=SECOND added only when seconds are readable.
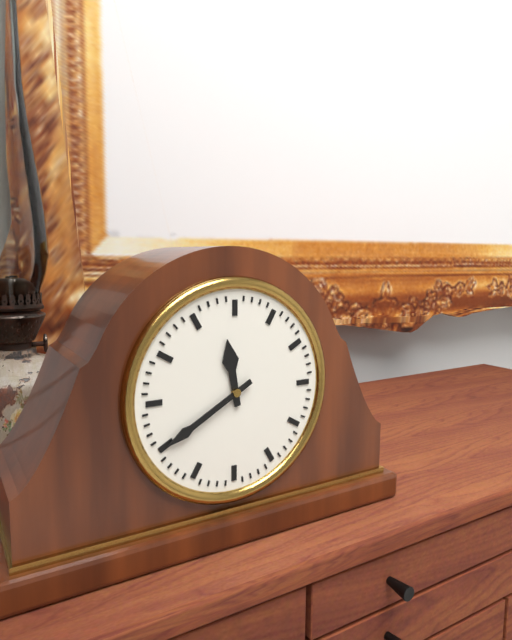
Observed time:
h=11 m=40
